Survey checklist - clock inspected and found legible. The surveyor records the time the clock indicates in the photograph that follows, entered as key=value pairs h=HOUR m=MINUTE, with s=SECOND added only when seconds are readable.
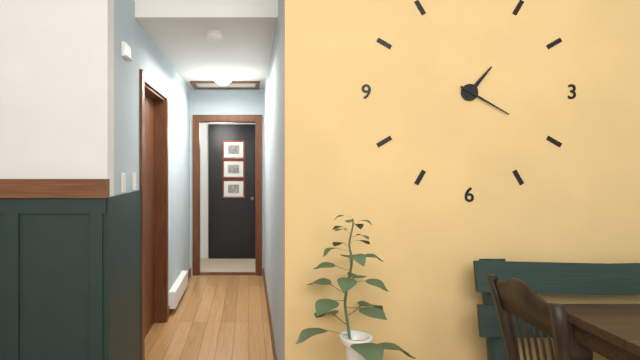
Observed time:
h=1 m=20
